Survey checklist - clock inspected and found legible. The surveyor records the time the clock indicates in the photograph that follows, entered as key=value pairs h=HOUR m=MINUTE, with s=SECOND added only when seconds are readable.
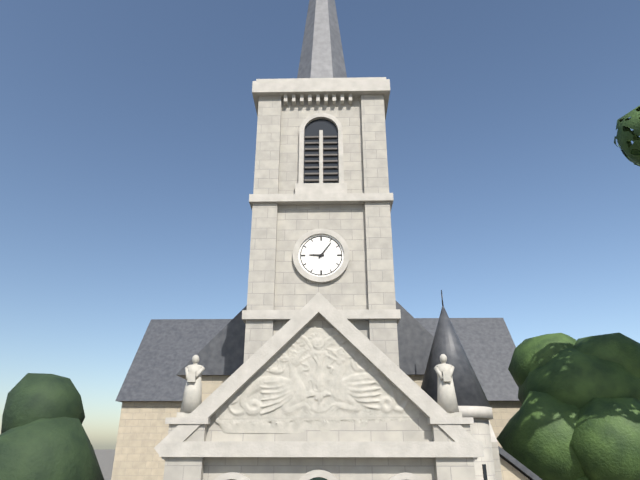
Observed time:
h=9 m=6
